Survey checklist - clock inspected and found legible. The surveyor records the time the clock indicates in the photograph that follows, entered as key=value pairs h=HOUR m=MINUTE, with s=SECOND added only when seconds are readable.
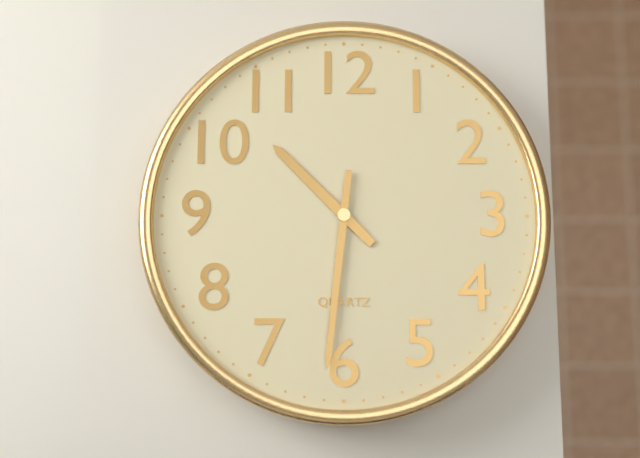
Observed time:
h=10 m=31
